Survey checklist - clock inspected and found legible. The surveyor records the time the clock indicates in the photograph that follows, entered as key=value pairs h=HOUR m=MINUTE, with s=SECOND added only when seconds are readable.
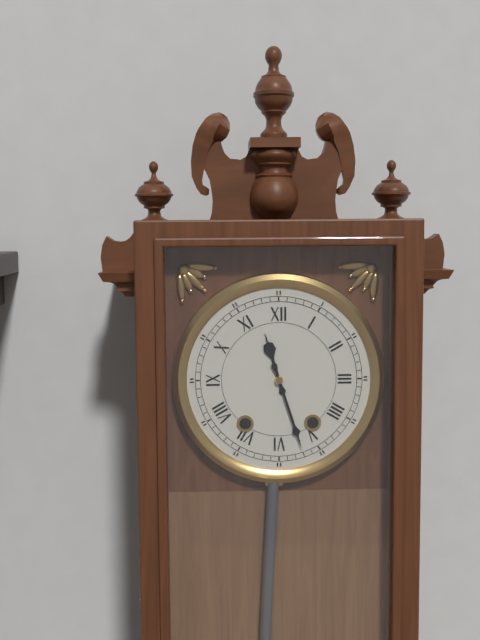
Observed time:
h=11 m=27
